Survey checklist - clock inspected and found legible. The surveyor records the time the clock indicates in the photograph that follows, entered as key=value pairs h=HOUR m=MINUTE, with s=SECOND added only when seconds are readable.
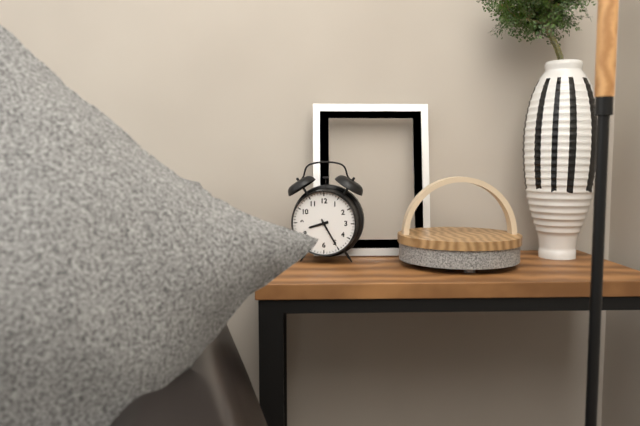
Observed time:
h=8 m=25
